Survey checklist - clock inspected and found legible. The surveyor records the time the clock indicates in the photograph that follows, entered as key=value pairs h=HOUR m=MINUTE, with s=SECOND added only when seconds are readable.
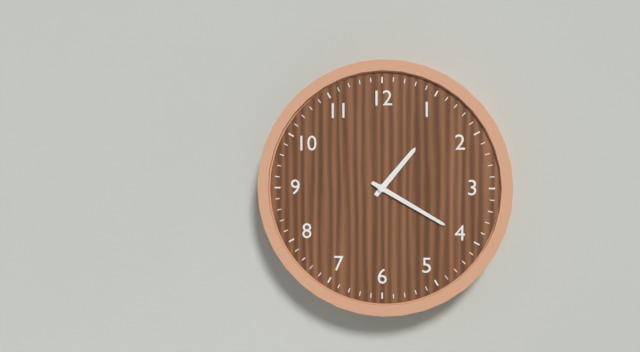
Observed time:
h=1 m=20
